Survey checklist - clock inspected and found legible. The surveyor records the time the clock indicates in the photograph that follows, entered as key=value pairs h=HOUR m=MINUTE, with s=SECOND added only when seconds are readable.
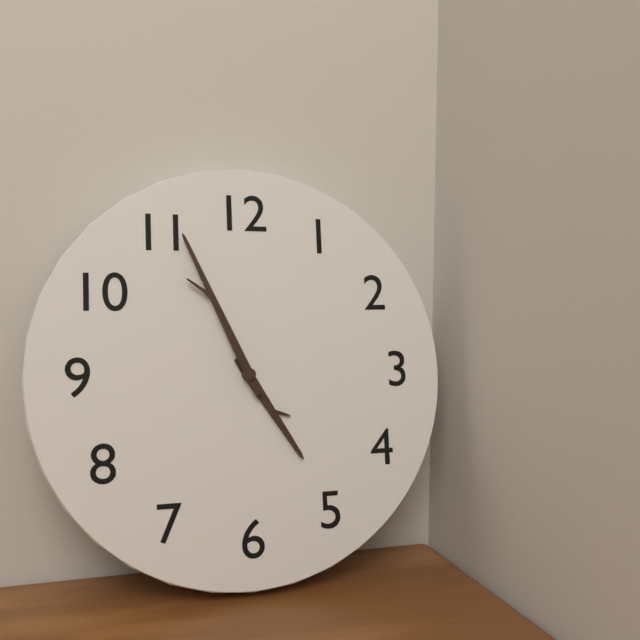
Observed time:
h=4 m=56
